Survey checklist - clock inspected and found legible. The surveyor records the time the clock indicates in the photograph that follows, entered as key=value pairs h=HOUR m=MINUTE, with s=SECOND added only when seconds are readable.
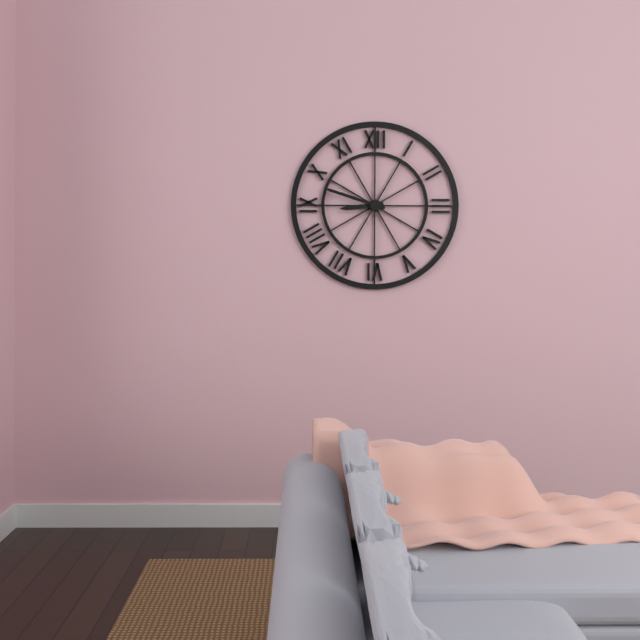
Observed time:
h=8 m=48
